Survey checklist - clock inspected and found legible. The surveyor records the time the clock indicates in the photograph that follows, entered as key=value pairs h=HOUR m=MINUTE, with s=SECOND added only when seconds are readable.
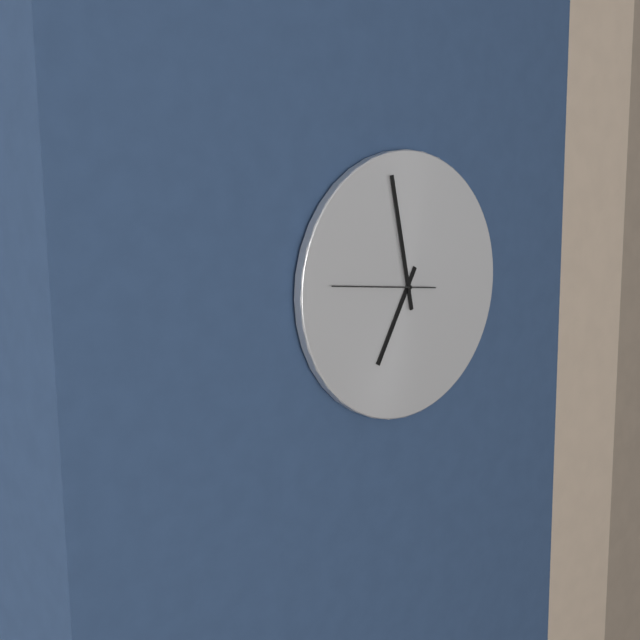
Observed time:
h=6 m=58 s=46
